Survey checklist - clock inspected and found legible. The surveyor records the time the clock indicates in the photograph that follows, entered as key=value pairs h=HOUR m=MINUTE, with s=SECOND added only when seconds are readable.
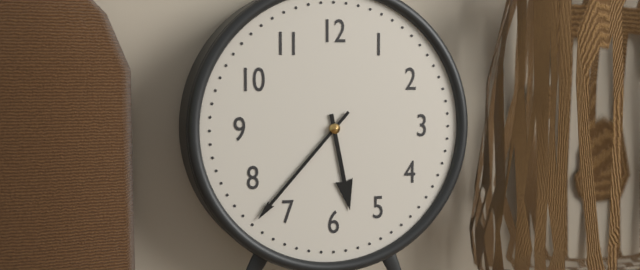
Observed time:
h=5 m=37
